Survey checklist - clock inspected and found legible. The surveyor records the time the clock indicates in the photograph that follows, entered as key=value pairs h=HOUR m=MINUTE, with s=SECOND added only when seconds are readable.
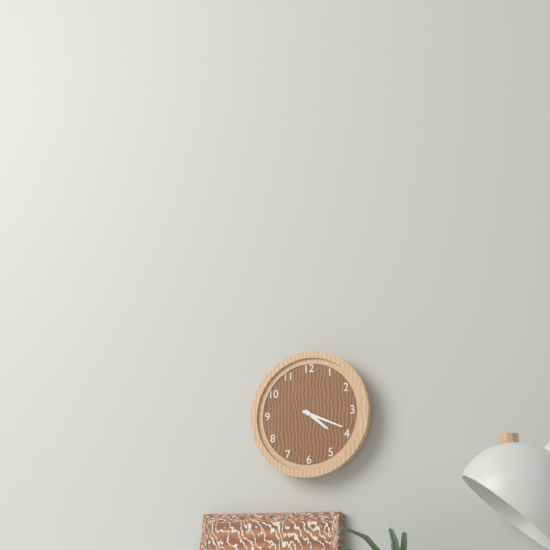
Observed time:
h=4 m=19
